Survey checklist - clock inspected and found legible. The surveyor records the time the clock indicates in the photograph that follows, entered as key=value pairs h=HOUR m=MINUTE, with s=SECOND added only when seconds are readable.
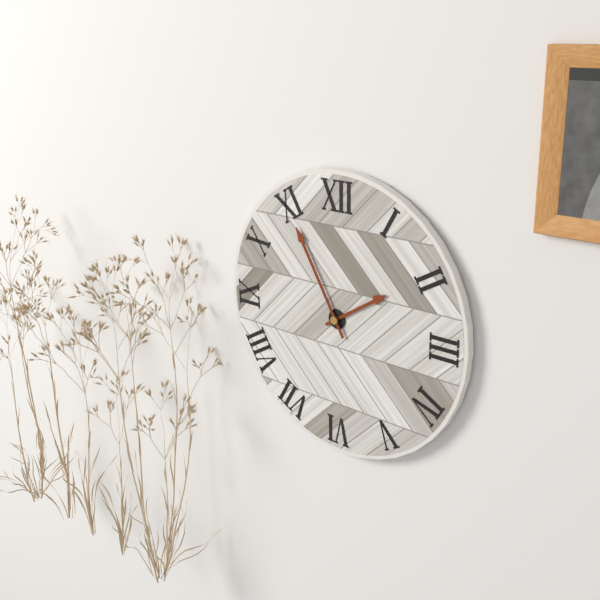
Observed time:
h=1 m=55
